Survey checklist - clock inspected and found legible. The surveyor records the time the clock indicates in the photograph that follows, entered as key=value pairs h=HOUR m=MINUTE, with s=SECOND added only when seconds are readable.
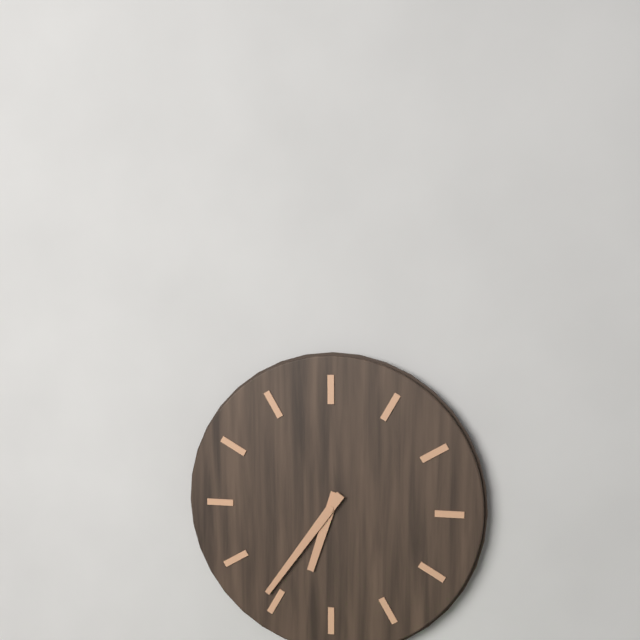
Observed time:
h=6 m=36
